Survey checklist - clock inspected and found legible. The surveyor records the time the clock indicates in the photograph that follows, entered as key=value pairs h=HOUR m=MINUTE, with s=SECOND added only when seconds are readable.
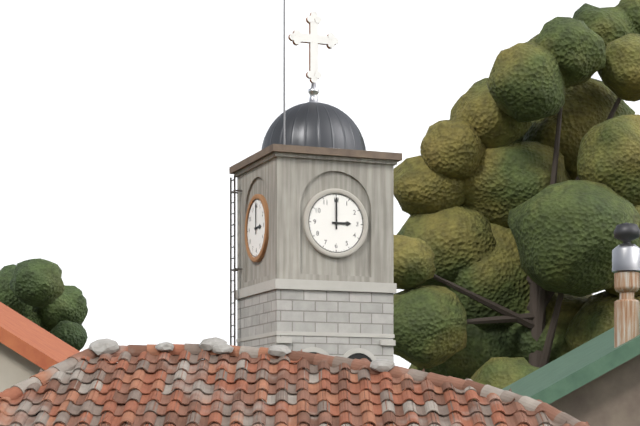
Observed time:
h=3 m=0
